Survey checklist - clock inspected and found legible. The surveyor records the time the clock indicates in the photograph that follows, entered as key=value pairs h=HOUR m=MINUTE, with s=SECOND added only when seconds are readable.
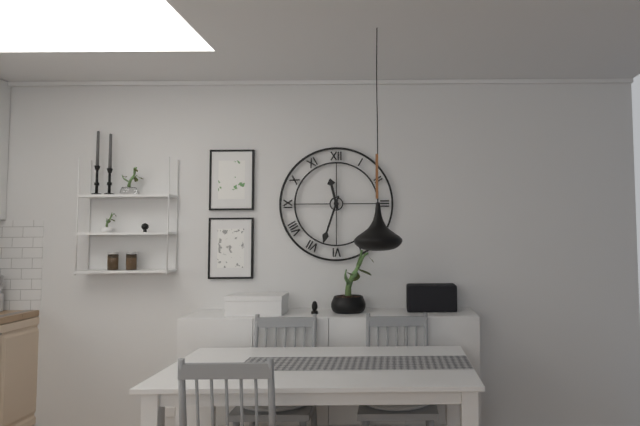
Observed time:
h=11 m=33
